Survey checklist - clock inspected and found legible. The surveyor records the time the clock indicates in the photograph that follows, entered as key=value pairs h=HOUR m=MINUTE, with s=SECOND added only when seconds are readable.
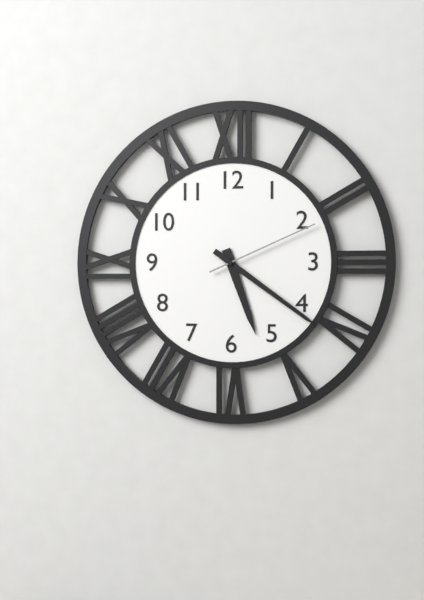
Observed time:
h=5 m=21 s=11
